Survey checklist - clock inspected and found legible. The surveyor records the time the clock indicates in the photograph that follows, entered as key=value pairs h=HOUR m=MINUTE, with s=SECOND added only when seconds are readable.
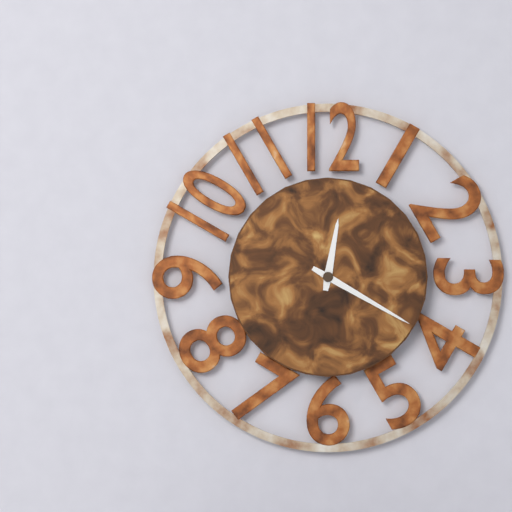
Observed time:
h=12 m=20
